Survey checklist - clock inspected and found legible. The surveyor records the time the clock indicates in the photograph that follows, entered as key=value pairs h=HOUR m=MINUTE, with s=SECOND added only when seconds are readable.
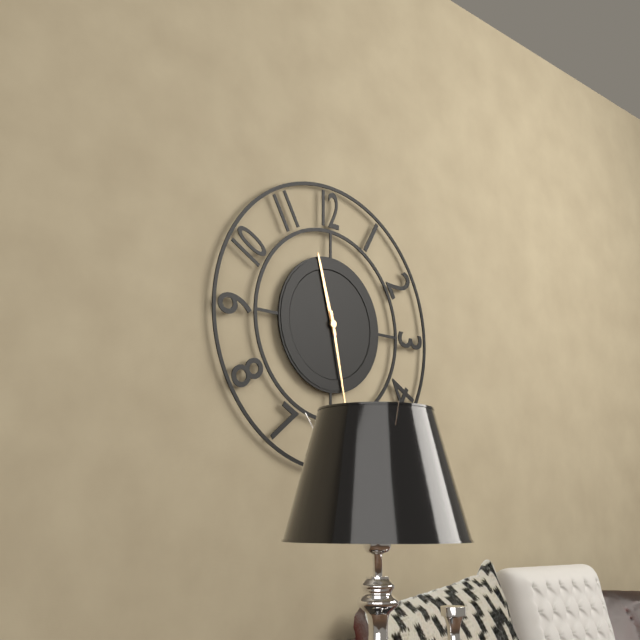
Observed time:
h=11 m=28
